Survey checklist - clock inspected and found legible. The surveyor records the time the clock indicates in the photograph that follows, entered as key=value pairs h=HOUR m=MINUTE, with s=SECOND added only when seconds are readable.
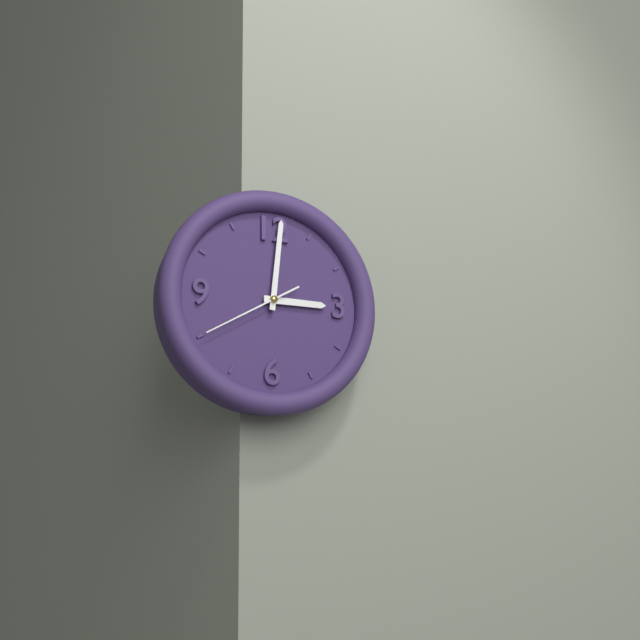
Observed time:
h=3 m=1 s=40
